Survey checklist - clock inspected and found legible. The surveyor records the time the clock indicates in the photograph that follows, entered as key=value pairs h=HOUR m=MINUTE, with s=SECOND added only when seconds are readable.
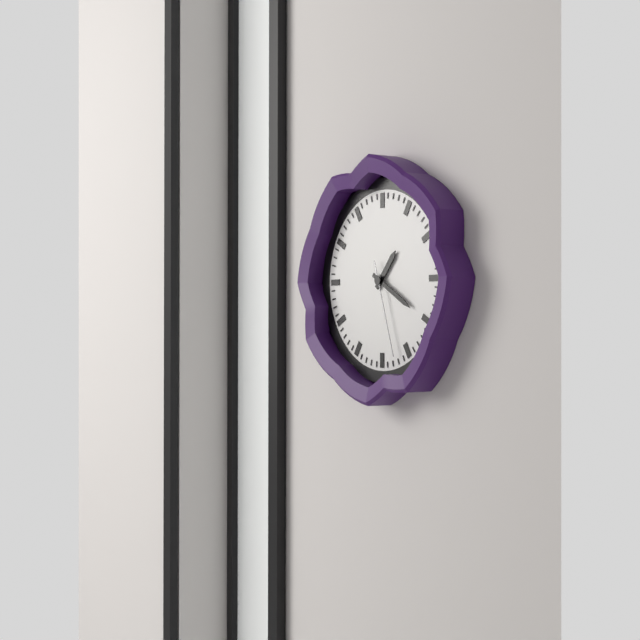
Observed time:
h=1 m=20 s=27
